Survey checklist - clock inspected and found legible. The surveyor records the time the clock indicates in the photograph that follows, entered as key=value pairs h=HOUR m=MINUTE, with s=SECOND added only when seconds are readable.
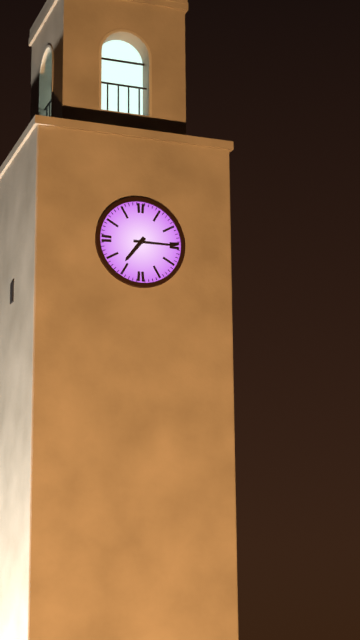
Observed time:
h=7 m=15
